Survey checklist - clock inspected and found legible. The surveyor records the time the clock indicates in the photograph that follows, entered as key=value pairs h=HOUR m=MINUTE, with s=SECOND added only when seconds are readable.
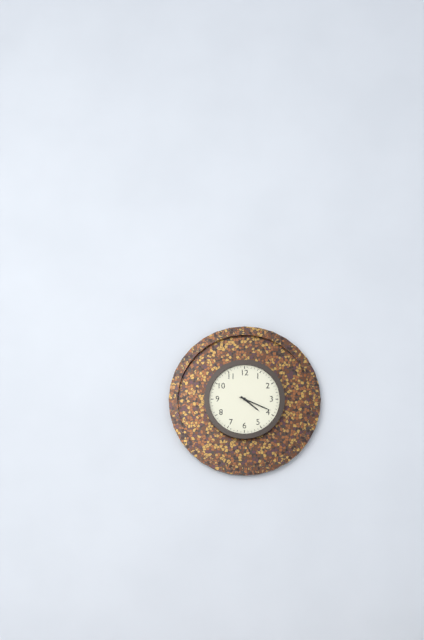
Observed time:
h=4 m=19
